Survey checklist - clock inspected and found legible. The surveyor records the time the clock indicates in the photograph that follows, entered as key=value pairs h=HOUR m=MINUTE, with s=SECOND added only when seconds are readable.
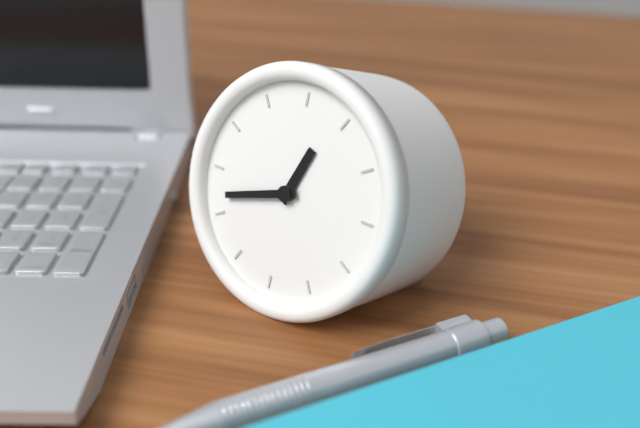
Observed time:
h=12 m=42
